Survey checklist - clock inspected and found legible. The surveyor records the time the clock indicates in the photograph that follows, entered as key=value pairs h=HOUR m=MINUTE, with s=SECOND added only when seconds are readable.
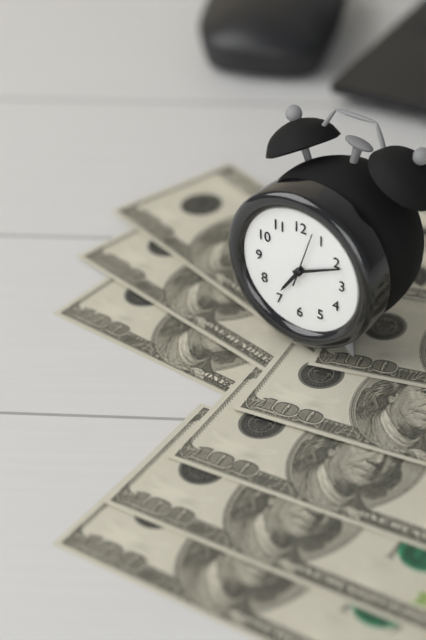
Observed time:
h=7 m=11
